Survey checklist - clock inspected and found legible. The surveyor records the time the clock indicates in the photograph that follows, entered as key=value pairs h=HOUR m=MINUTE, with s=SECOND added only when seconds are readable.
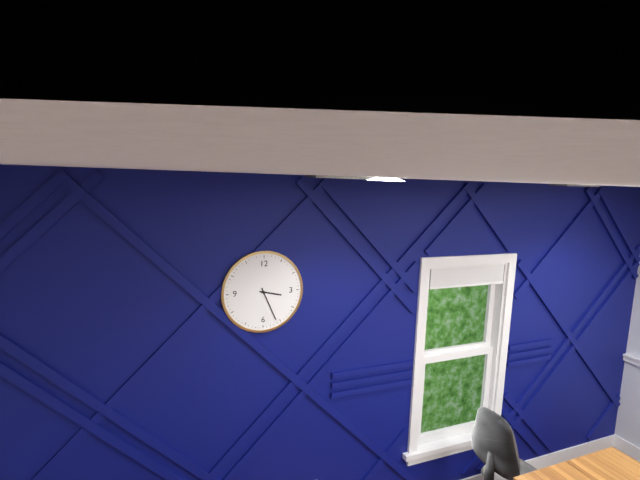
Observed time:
h=3 m=26
